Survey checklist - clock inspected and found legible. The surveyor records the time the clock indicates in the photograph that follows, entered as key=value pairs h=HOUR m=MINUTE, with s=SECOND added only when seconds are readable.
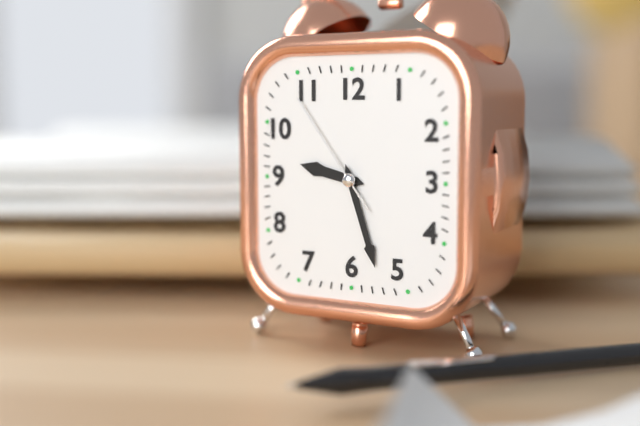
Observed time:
h=9 m=27 s=54
